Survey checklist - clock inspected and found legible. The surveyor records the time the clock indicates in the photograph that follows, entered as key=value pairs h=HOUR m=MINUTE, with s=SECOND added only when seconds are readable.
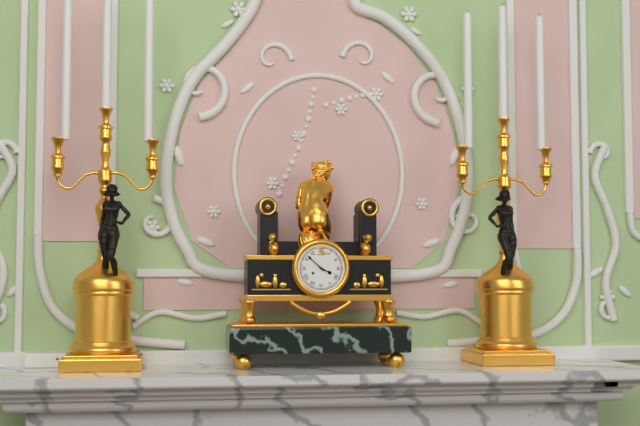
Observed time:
h=3 m=52
